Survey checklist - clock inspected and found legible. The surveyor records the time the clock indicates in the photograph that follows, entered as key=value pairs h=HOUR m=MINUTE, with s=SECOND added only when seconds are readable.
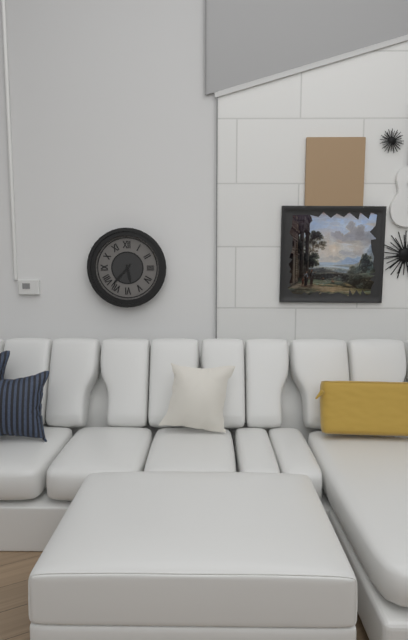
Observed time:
h=5 m=37
